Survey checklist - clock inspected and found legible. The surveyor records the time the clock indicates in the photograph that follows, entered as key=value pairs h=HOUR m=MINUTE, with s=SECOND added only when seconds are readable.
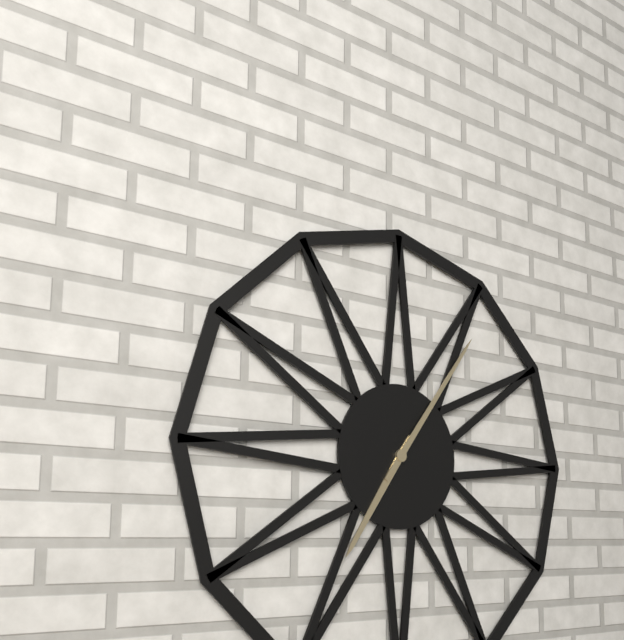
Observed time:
h=7 m=6
